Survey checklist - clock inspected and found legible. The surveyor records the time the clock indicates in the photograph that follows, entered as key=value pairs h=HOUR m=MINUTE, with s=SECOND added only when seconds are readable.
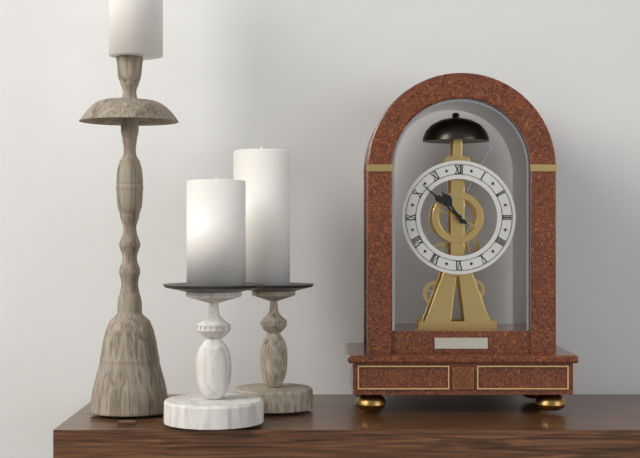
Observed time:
h=10 m=52
